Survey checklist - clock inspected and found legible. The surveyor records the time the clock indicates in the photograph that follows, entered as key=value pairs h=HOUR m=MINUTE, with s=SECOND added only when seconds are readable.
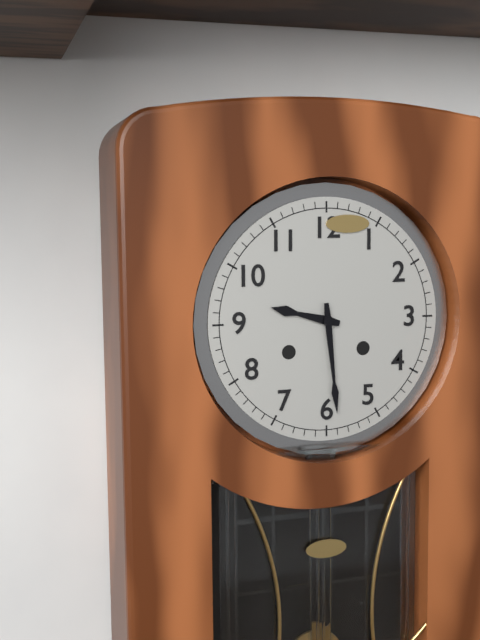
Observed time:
h=9 m=29
